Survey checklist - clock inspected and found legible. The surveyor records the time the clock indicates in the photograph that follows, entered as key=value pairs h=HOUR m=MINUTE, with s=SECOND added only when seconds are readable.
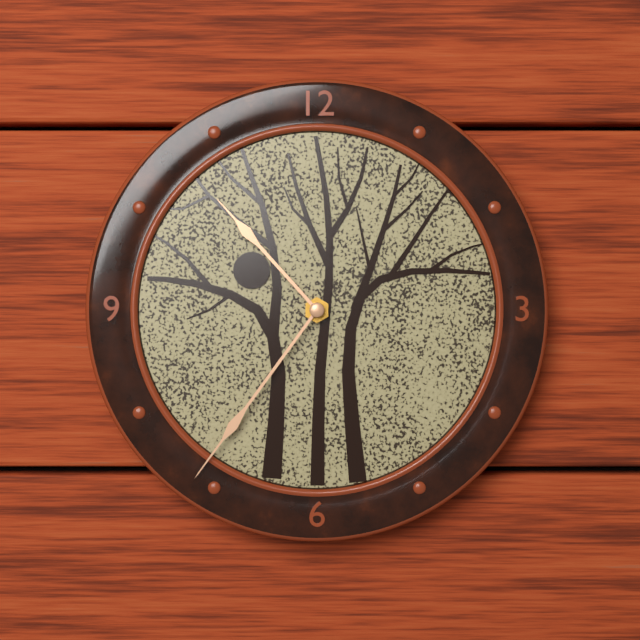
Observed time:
h=10 m=36
